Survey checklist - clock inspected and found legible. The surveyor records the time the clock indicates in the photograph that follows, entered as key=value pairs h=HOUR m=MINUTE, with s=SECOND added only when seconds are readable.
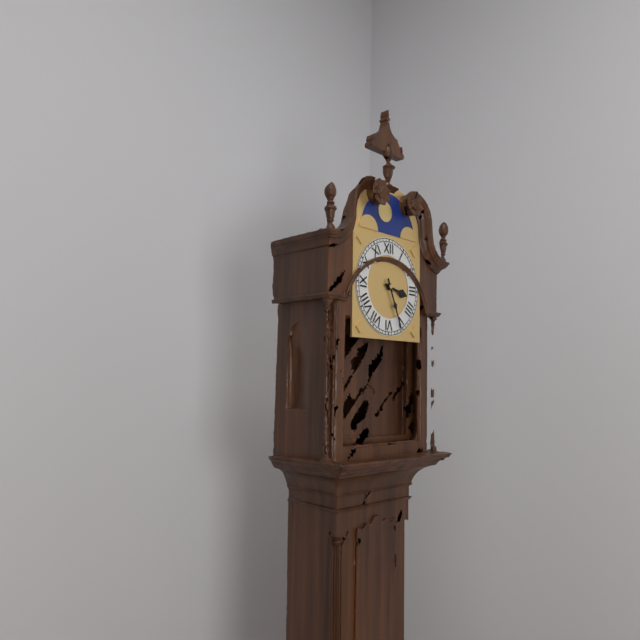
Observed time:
h=3 m=26
